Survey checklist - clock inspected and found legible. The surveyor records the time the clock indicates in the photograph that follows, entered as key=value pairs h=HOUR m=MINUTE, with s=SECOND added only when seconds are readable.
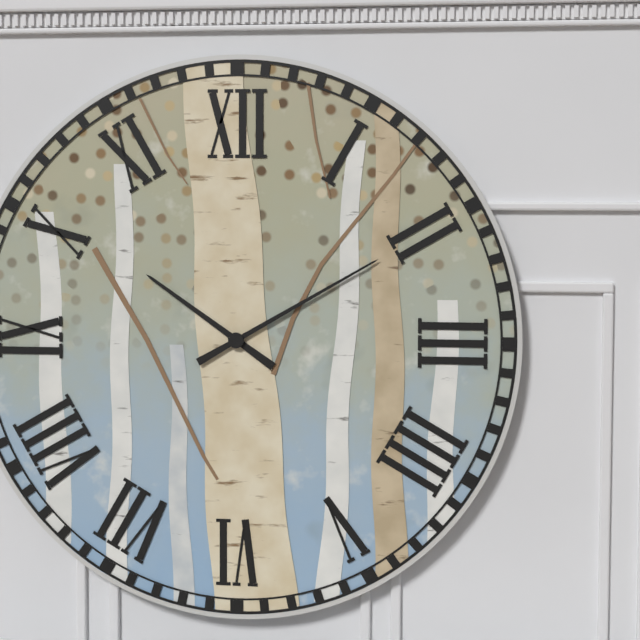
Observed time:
h=10 m=10
